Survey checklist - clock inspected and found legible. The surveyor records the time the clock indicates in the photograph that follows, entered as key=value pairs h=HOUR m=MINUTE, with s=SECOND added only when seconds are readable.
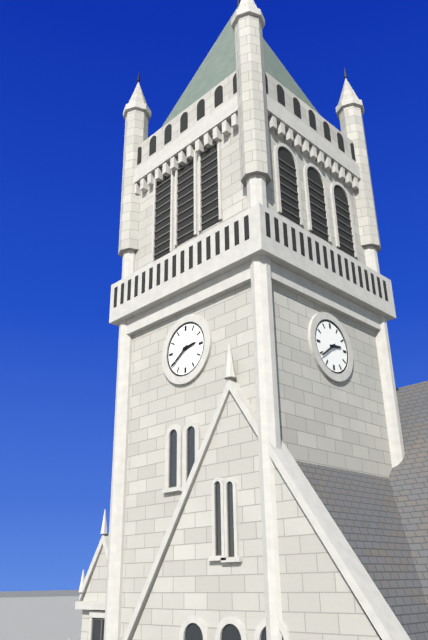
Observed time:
h=2 m=39
